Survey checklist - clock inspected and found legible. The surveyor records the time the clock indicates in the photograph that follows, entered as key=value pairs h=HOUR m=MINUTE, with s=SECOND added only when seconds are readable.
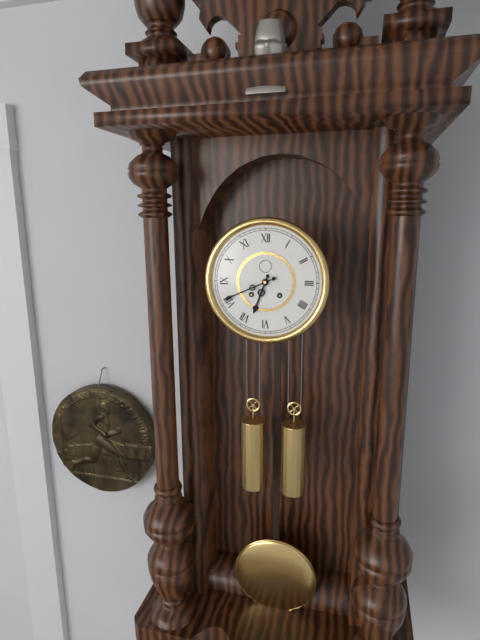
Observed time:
h=6 m=41
